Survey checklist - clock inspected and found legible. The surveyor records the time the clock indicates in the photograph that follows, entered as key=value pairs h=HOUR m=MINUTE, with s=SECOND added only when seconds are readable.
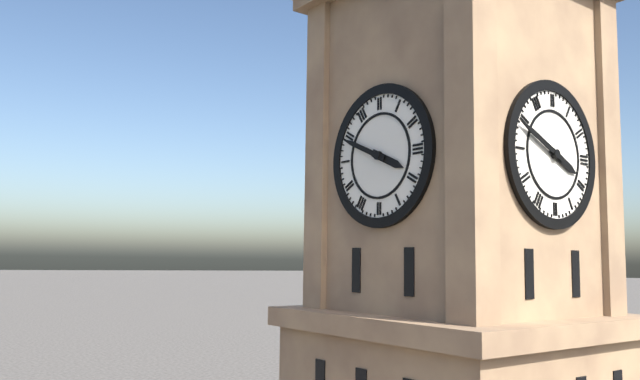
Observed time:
h=3 m=49
